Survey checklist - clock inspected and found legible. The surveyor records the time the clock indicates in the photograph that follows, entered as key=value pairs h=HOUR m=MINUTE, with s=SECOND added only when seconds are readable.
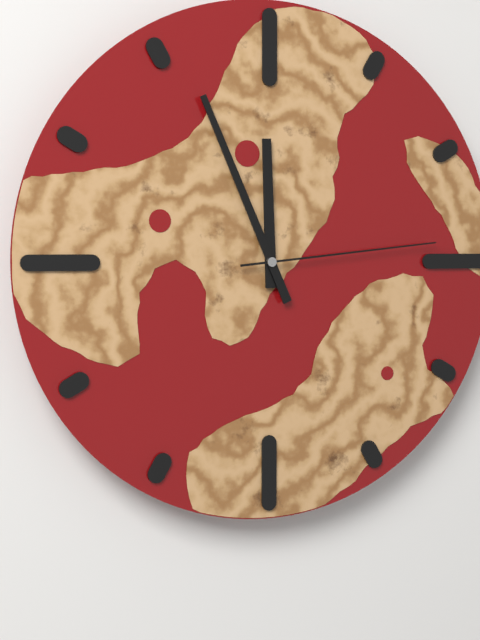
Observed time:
h=11 m=56 s=14
